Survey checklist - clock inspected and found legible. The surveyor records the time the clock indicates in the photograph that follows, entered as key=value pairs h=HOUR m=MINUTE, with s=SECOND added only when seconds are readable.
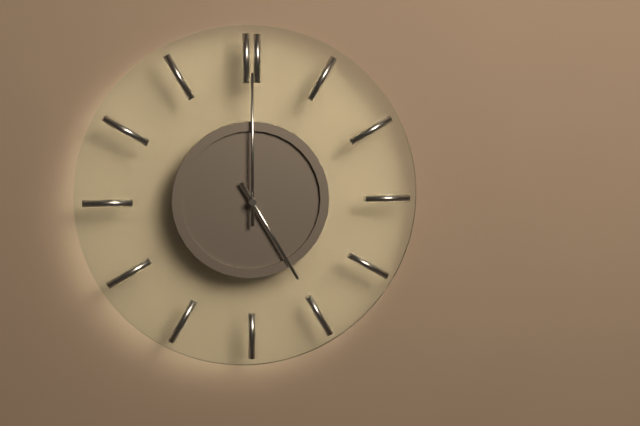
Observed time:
h=5 m=0
